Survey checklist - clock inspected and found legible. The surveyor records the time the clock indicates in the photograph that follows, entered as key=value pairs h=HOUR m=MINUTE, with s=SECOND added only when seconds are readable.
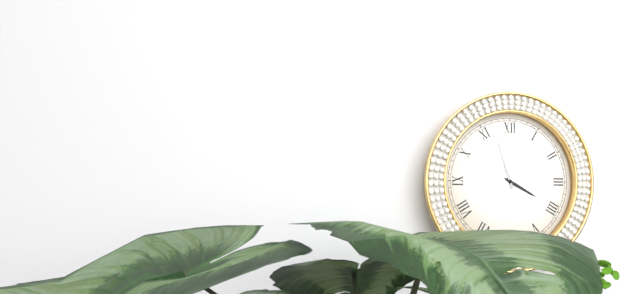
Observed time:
h=3 m=57
